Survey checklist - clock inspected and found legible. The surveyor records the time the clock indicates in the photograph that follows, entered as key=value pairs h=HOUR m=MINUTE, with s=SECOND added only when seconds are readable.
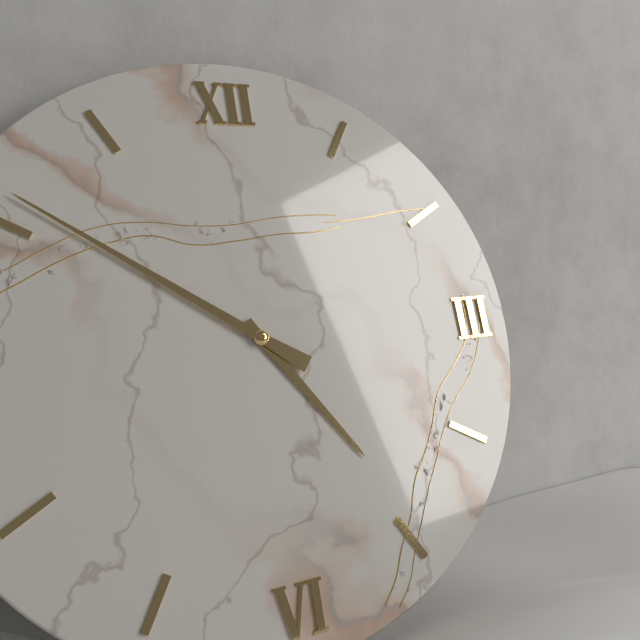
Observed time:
h=4 m=51
